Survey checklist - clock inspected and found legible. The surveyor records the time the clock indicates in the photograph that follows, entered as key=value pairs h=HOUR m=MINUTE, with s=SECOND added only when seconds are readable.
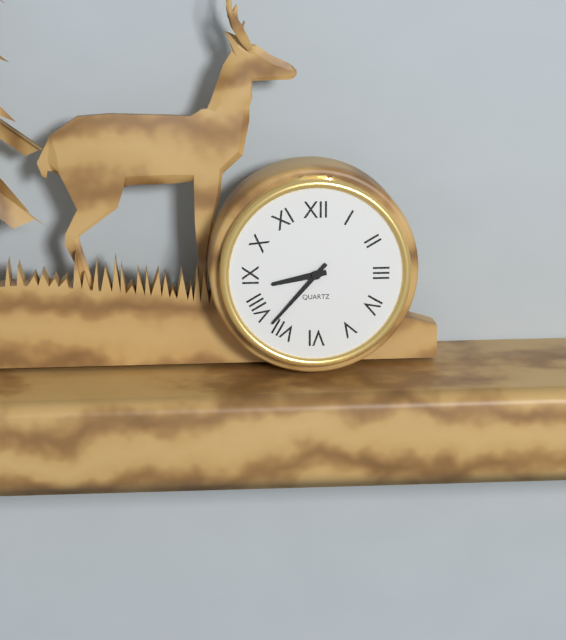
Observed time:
h=8 m=37
